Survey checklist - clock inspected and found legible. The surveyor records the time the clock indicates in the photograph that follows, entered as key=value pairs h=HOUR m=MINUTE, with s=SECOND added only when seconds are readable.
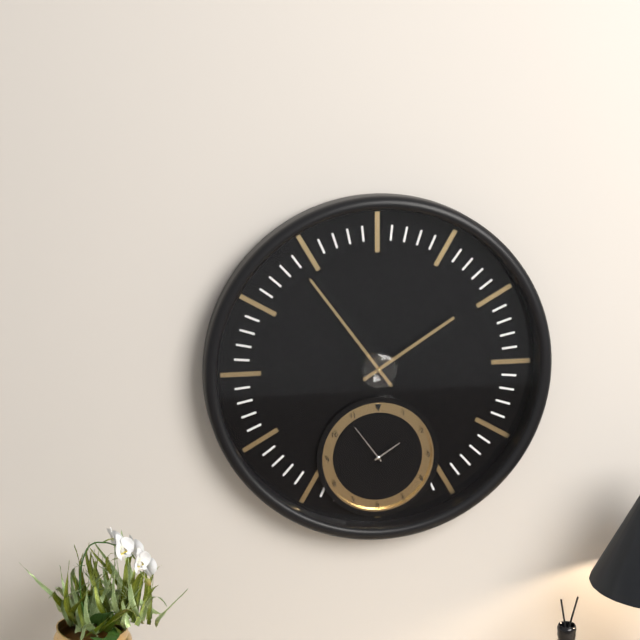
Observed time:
h=1 m=54
